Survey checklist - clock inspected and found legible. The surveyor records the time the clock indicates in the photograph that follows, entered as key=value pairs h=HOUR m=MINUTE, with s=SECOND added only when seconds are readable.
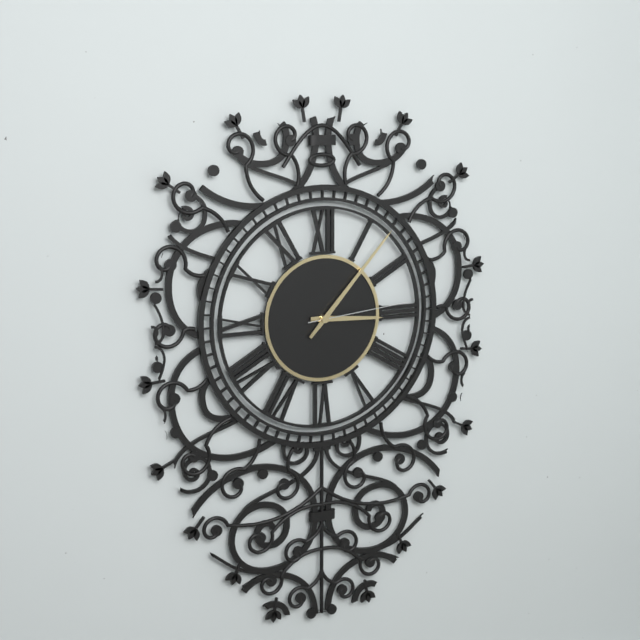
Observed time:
h=3 m=7 s=14
